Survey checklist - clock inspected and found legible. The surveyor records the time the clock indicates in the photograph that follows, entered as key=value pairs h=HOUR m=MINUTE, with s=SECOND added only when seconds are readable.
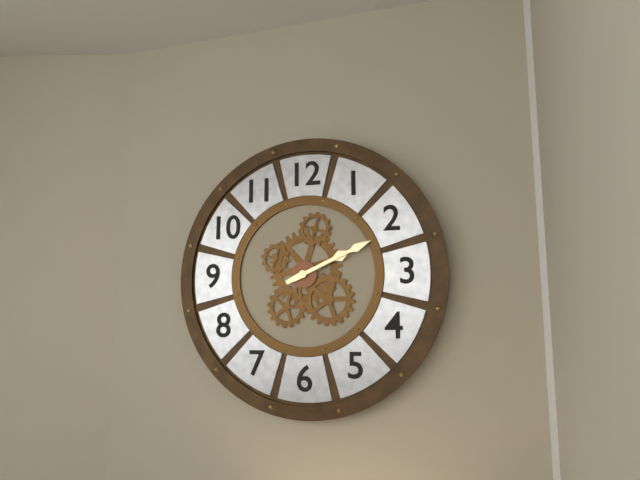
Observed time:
h=2 m=11
